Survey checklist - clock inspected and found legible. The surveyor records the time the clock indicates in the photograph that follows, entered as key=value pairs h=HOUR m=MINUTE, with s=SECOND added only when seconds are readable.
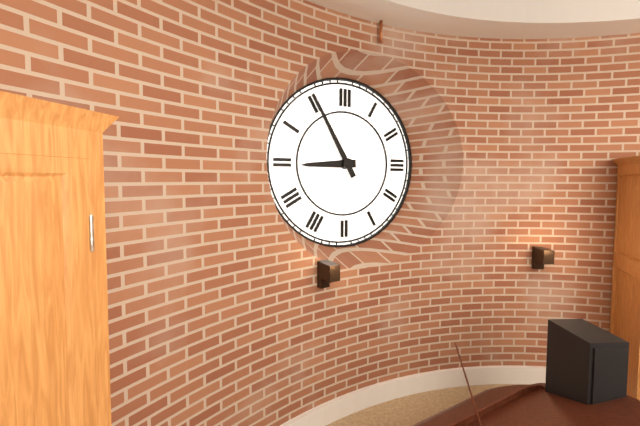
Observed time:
h=8 m=55
